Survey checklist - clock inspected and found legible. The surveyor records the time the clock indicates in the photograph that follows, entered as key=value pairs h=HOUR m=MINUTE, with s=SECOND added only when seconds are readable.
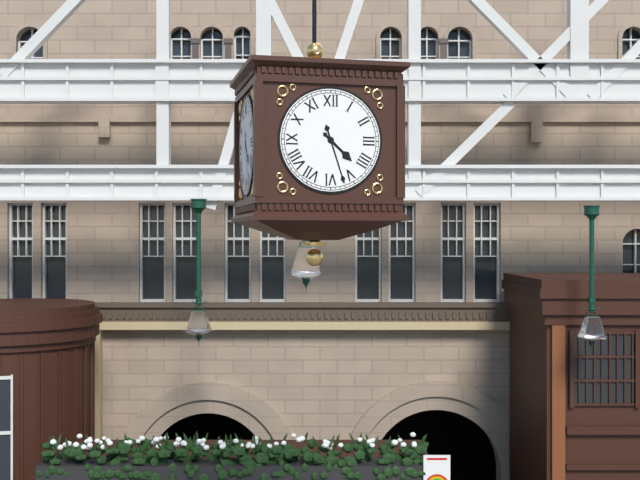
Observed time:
h=4 m=27
